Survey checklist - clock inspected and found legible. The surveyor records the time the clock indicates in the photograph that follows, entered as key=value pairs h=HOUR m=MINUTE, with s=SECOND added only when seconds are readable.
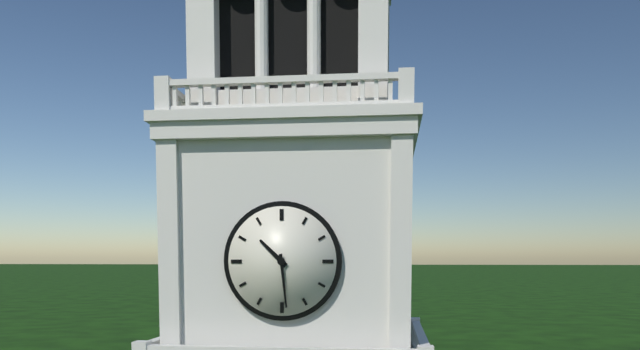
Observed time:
h=10 m=29
